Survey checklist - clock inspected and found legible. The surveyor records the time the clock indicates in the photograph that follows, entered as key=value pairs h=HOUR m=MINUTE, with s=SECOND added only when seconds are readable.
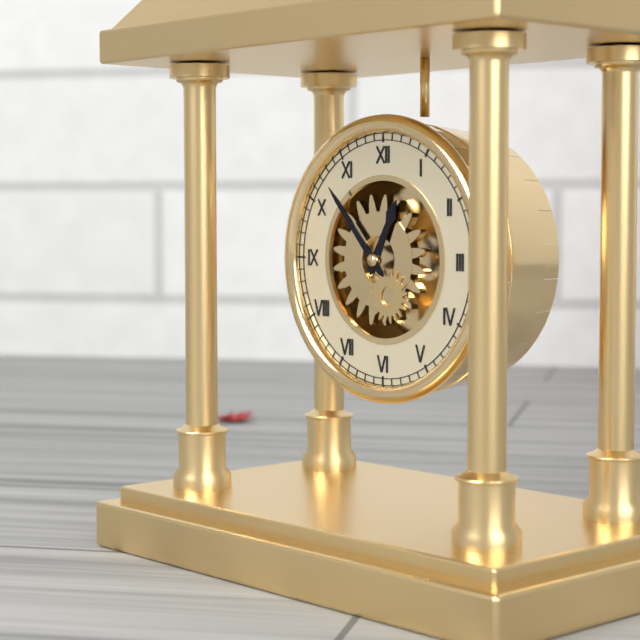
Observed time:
h=12 m=53
